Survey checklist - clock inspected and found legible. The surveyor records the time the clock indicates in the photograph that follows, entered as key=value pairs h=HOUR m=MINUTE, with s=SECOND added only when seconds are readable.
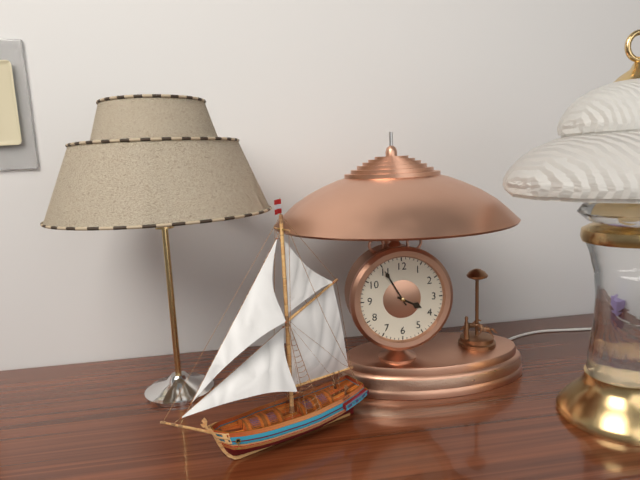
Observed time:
h=3 m=55
